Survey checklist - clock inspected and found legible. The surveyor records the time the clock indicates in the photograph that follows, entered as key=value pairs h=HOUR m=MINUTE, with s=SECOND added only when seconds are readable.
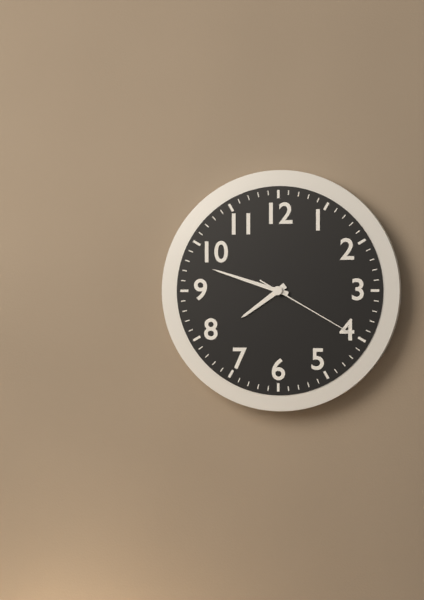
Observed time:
h=7 m=48 s=20
